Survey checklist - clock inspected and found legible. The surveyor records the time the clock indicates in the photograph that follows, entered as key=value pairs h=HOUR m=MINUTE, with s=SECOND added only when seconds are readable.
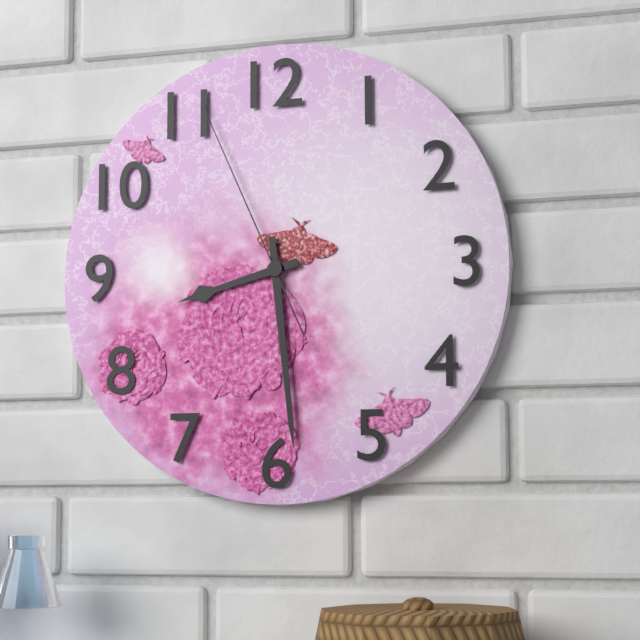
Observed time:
h=8 m=29 s=56
